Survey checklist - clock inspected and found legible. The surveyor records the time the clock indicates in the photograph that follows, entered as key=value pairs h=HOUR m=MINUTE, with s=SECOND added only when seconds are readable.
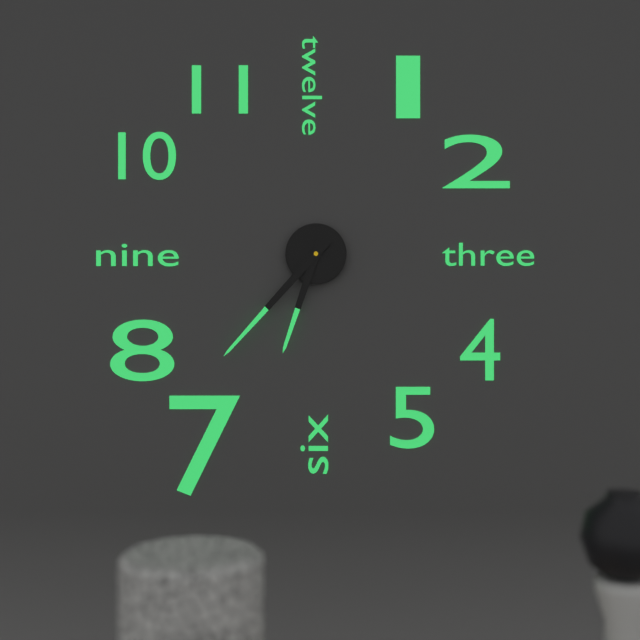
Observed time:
h=6 m=37
